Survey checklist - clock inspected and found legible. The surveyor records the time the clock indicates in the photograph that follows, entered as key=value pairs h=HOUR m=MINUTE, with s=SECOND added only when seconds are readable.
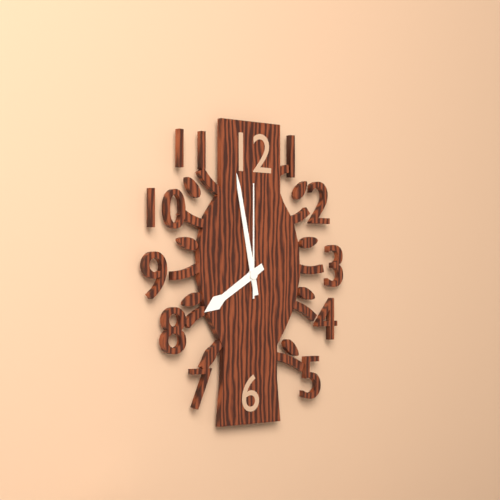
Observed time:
h=7 m=58 s=0
